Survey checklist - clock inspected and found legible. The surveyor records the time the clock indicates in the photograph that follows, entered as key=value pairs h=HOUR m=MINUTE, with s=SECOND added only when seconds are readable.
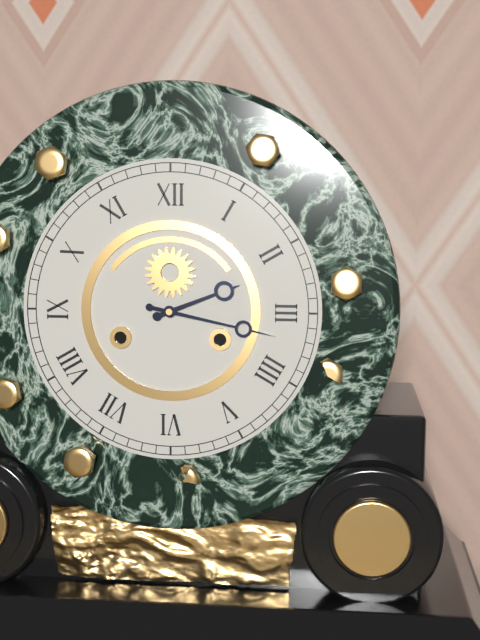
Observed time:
h=2 m=17
